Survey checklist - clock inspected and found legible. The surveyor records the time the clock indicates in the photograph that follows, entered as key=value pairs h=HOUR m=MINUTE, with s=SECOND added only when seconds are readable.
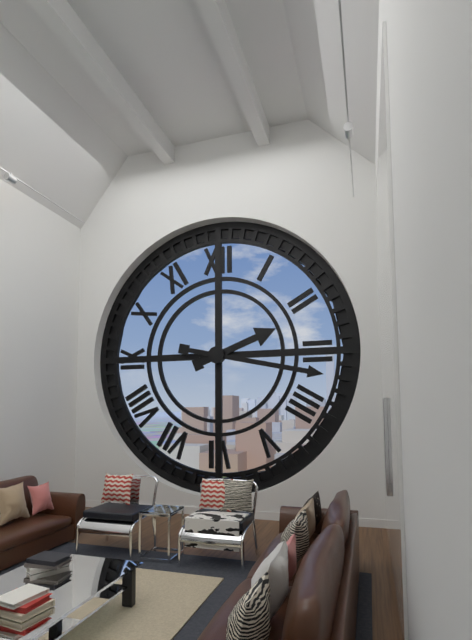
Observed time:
h=2 m=17
